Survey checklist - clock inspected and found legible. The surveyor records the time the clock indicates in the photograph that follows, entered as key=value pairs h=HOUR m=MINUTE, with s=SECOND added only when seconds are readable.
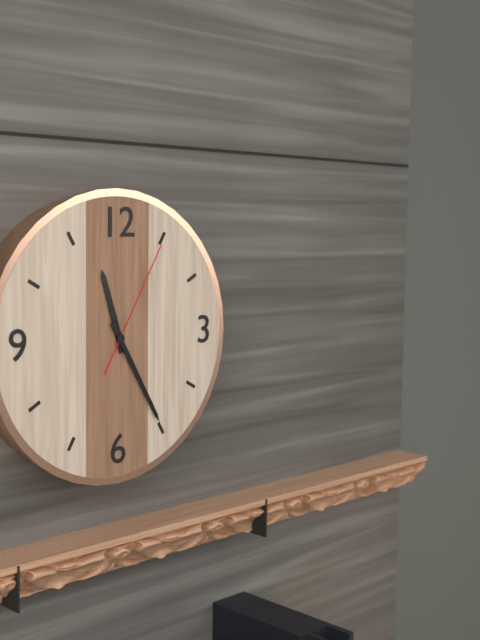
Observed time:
h=11 m=25 s=5
